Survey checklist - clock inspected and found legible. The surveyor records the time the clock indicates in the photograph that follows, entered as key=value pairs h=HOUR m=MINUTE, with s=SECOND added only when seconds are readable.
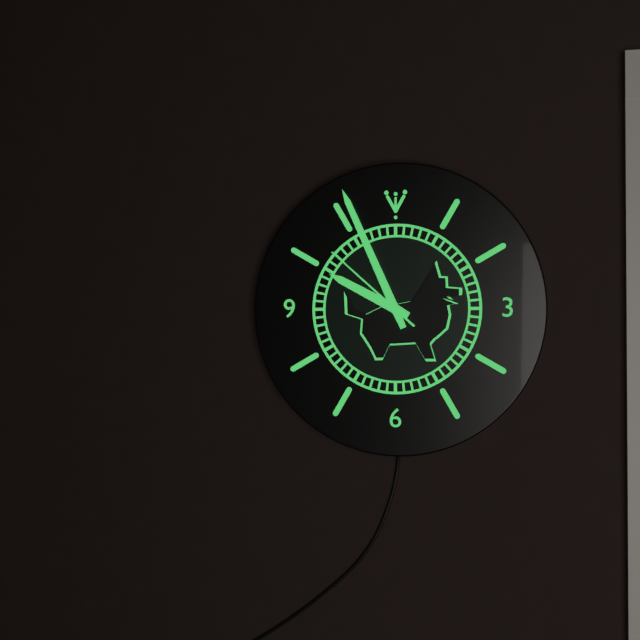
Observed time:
h=9 m=56 s=52
